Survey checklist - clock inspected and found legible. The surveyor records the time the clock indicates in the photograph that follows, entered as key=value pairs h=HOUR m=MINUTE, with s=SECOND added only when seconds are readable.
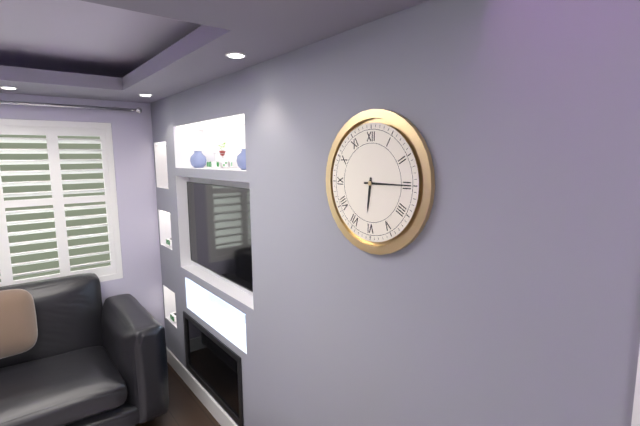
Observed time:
h=6 m=15
